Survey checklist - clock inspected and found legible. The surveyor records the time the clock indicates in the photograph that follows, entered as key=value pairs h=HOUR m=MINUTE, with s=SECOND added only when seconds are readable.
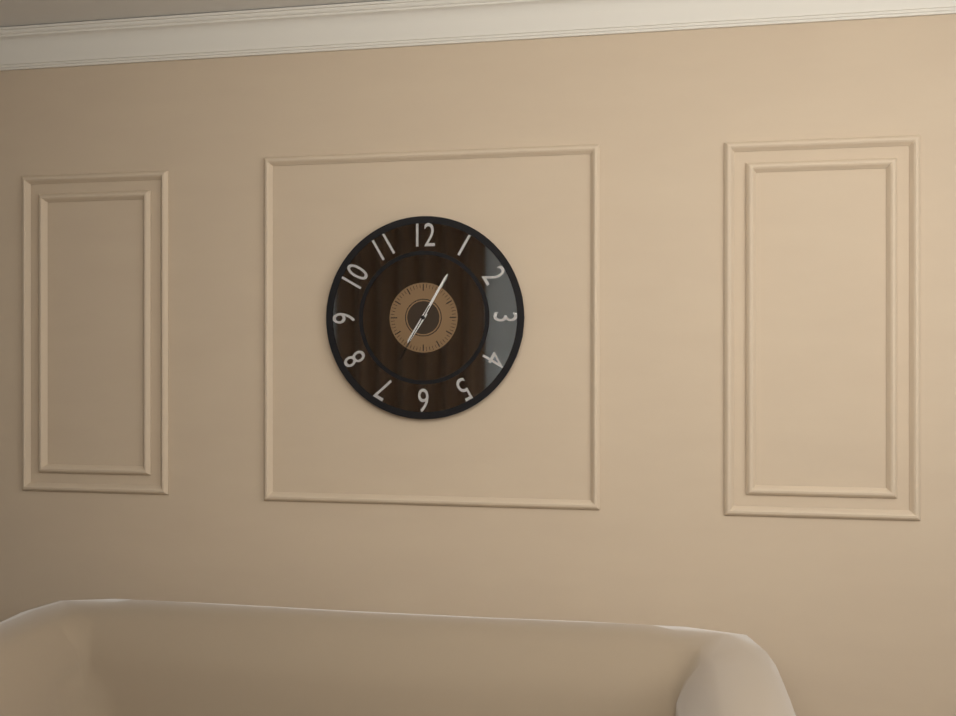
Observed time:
h=7 m=5 s=35
